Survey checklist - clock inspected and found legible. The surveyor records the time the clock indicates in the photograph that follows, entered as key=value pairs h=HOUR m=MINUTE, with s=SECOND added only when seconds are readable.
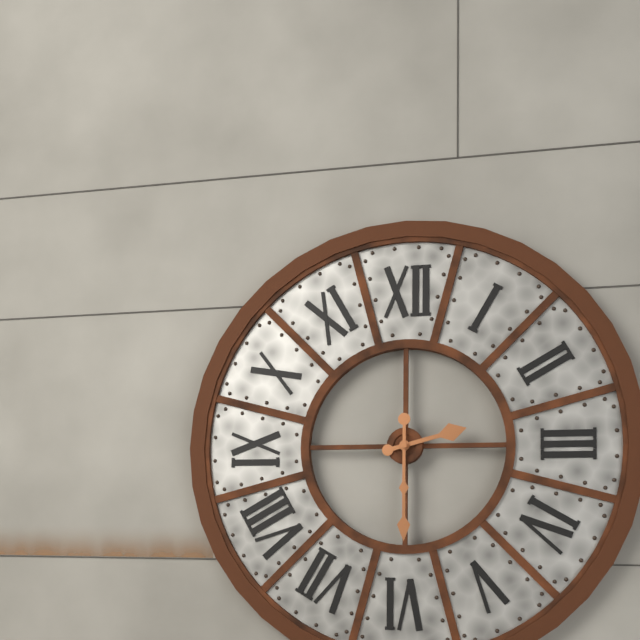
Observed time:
h=2 m=30
